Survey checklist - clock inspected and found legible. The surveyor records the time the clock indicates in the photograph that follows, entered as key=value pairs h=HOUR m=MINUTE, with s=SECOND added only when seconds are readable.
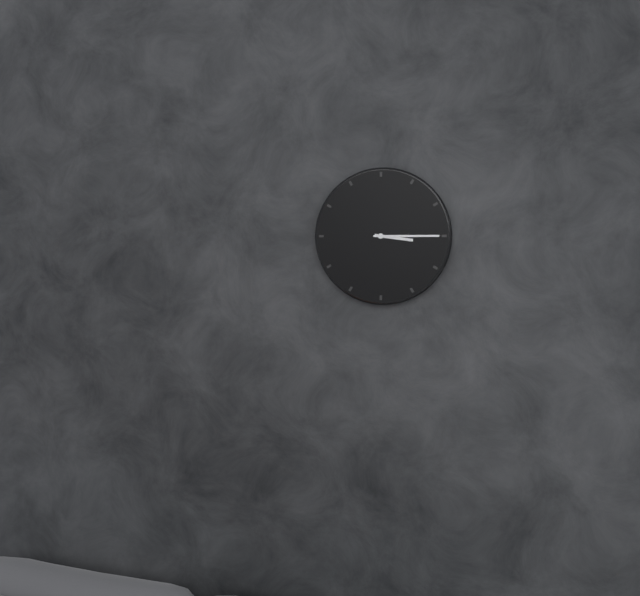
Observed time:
h=3 m=15
